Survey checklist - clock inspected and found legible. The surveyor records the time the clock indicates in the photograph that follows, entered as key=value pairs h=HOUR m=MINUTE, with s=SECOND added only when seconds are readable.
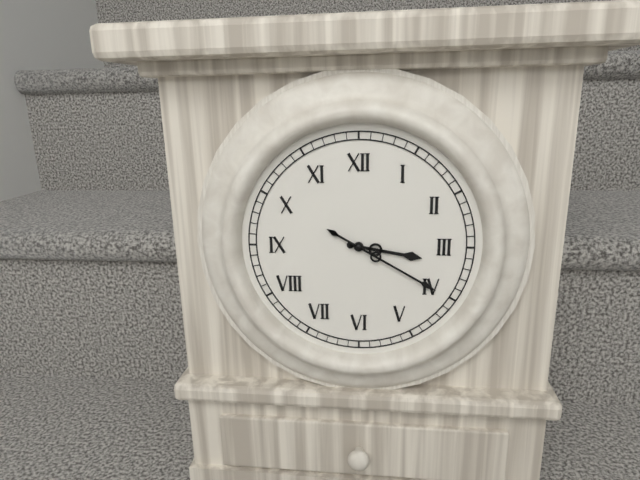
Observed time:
h=3 m=20
